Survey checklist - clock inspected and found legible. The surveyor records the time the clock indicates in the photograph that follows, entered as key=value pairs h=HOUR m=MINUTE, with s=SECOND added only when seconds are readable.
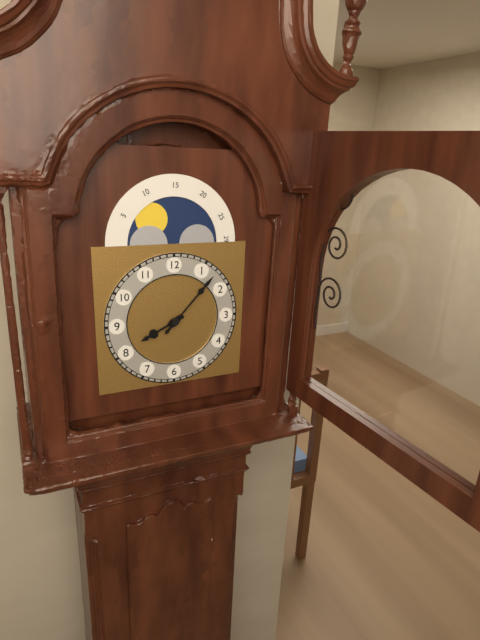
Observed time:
h=8 m=7
